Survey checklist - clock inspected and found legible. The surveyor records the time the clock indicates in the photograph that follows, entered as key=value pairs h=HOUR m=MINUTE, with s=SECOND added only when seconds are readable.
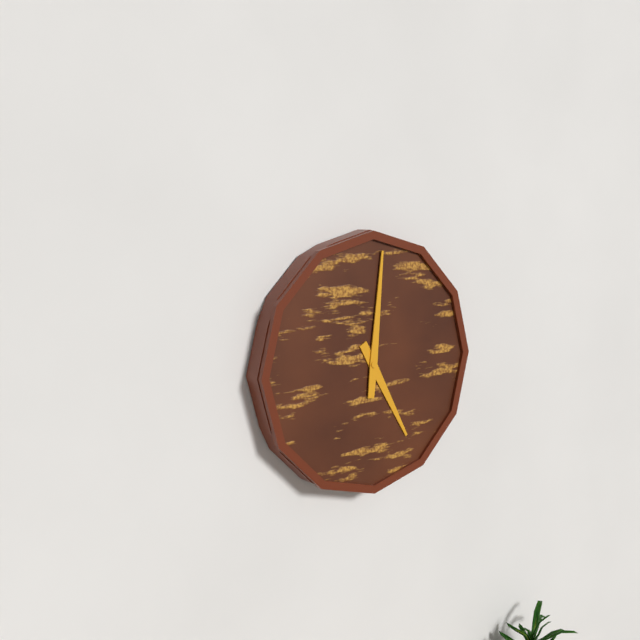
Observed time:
h=5 m=1
